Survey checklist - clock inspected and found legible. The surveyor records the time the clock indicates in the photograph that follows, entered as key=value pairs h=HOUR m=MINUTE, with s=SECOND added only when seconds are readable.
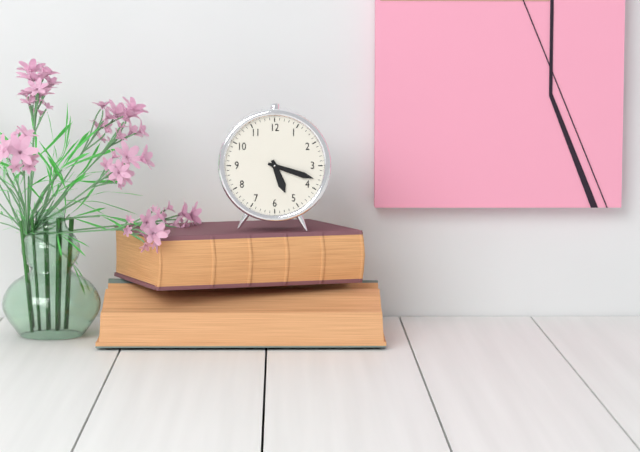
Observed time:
h=5 m=18
